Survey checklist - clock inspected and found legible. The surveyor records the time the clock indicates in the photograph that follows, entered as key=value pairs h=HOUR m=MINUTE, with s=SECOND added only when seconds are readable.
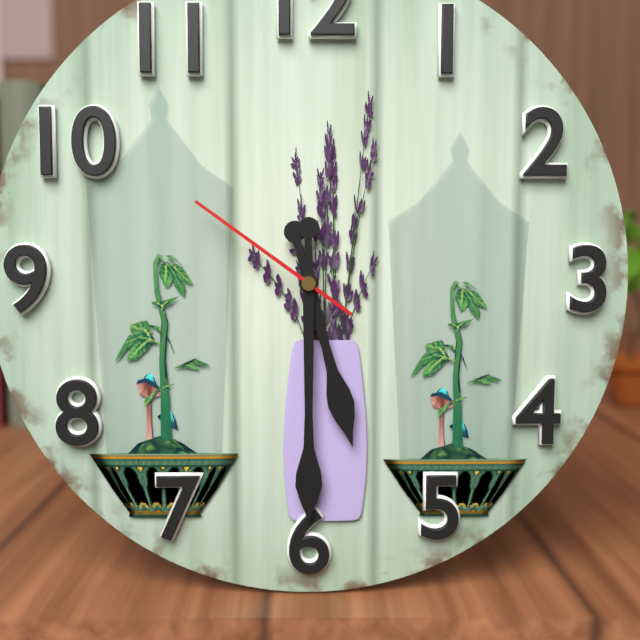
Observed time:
h=5 m=30 s=51
